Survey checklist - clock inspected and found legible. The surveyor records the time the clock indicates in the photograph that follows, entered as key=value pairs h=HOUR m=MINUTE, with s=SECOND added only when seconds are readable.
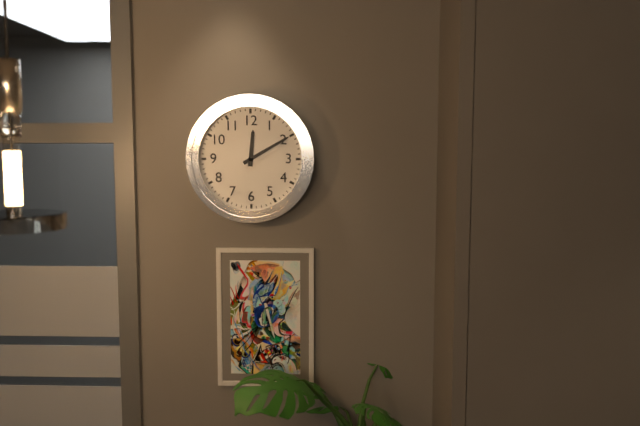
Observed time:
h=12 m=10
